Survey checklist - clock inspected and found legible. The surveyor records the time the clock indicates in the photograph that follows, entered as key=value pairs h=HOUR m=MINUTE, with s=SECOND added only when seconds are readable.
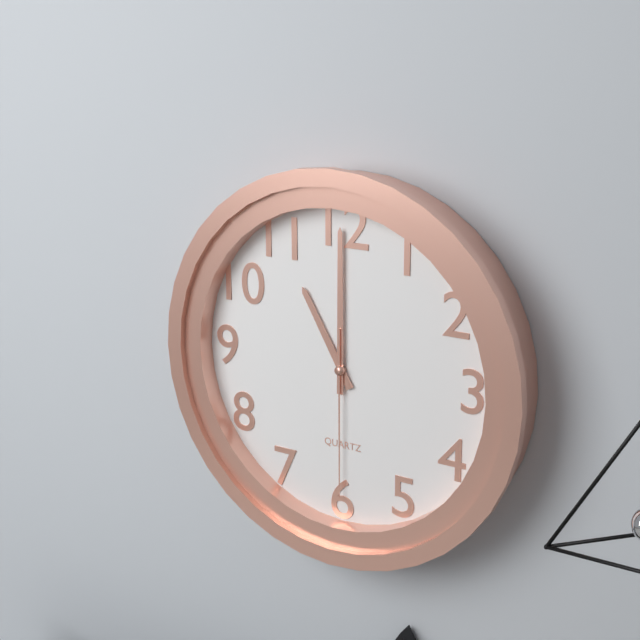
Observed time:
h=11 m=0 s=30
